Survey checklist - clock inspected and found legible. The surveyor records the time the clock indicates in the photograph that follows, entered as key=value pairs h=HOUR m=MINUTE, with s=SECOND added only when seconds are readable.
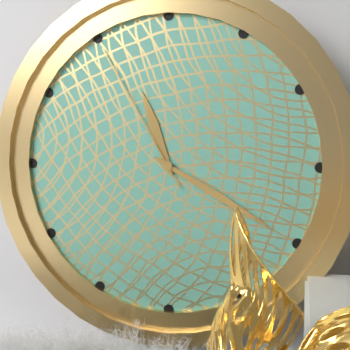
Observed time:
h=11 m=20 s=55
